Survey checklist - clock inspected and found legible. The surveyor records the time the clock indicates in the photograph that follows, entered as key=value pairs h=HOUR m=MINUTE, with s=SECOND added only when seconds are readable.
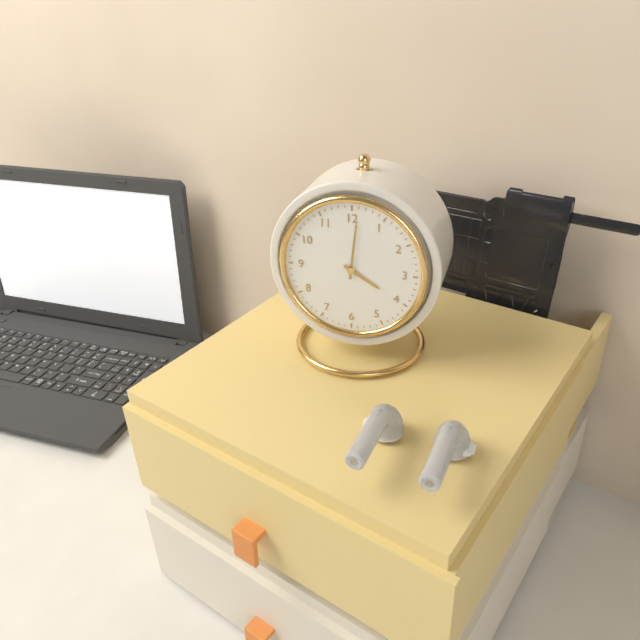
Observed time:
h=4 m=1
